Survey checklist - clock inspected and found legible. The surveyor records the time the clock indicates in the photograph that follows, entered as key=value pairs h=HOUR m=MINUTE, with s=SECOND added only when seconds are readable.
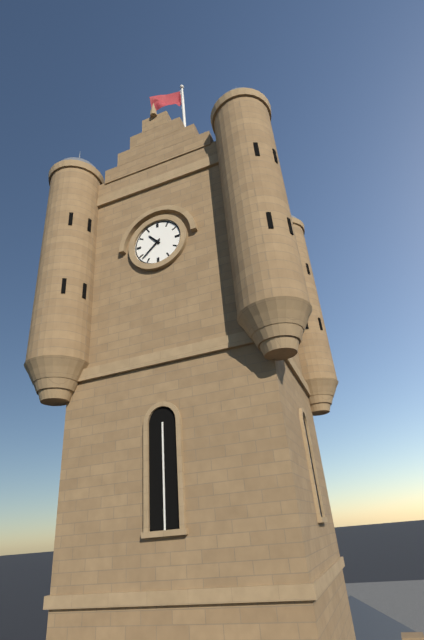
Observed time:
h=10 m=38
